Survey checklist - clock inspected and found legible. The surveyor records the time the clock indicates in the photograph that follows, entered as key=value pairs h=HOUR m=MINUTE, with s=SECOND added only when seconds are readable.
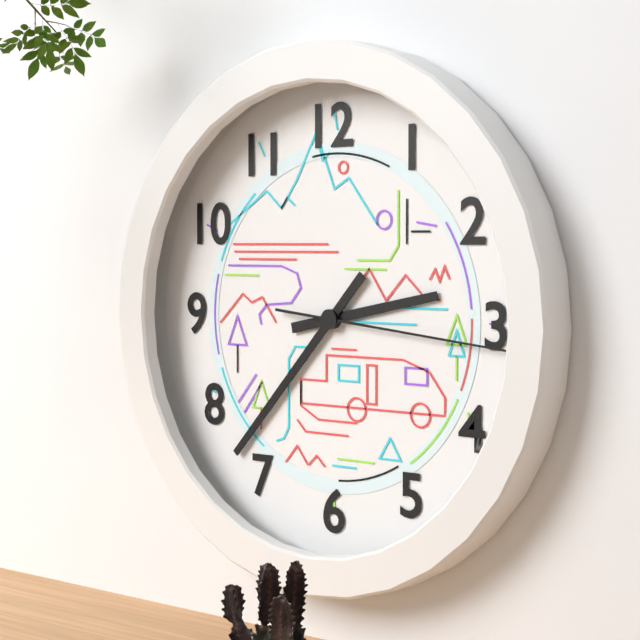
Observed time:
h=2 m=37 s=16
